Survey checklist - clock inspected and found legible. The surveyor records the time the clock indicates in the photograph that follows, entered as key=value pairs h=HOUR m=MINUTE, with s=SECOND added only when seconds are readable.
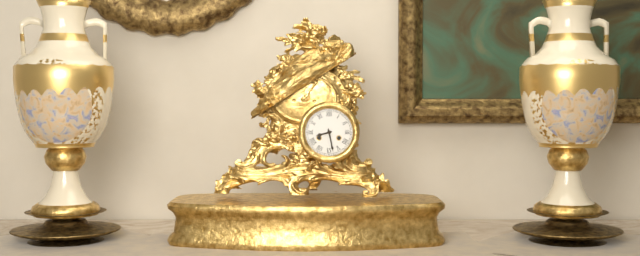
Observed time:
h=8 m=28
